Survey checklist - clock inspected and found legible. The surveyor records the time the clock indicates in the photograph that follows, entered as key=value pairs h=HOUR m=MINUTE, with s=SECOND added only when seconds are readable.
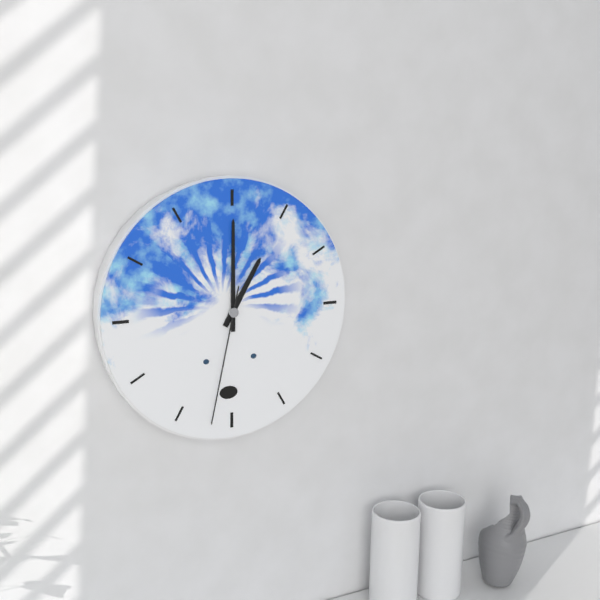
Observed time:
h=1 m=0 s=32
